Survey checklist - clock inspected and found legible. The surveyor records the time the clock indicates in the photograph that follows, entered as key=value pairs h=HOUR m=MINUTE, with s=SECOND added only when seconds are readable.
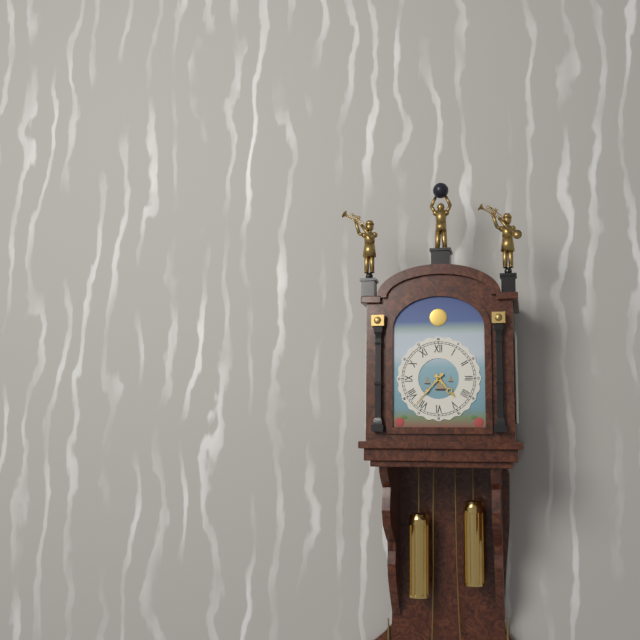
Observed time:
h=4 m=37
